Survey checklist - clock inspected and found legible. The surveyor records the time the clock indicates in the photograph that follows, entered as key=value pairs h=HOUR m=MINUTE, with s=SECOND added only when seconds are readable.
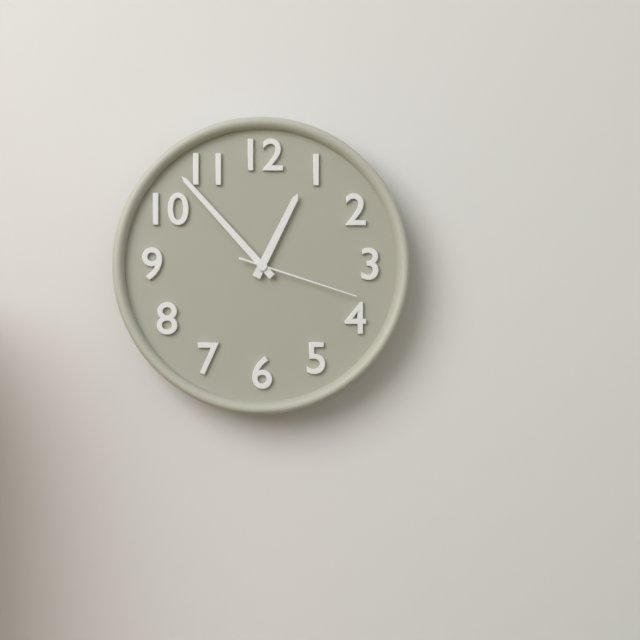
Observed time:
h=12 m=53 s=18
